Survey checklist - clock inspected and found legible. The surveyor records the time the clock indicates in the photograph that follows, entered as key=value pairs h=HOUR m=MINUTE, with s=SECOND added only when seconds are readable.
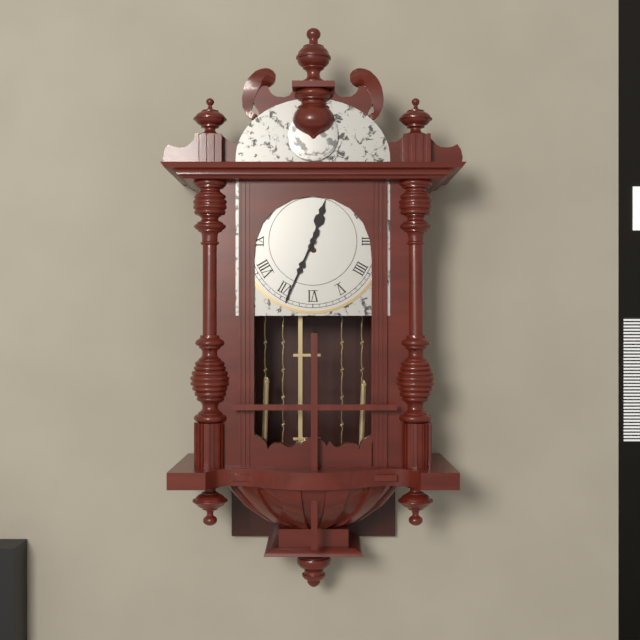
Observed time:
h=12 m=34
